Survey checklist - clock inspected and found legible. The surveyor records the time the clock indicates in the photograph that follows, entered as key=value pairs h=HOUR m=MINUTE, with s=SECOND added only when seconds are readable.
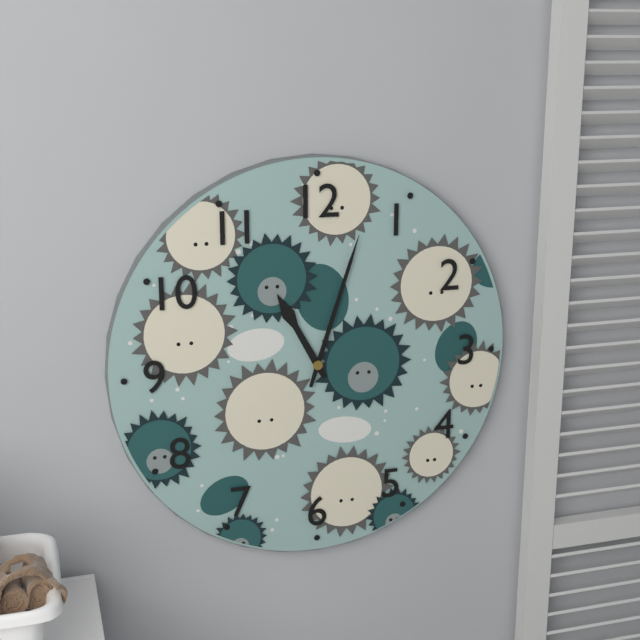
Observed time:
h=11 m=3
